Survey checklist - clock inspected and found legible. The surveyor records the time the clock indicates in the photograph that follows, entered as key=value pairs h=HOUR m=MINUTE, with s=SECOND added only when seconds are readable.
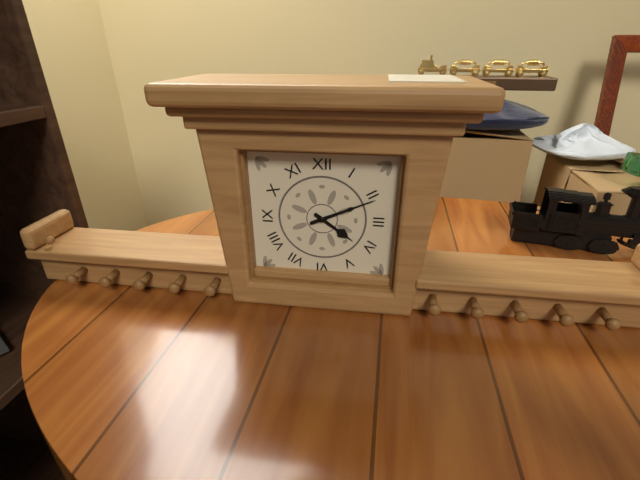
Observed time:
h=4 m=11
